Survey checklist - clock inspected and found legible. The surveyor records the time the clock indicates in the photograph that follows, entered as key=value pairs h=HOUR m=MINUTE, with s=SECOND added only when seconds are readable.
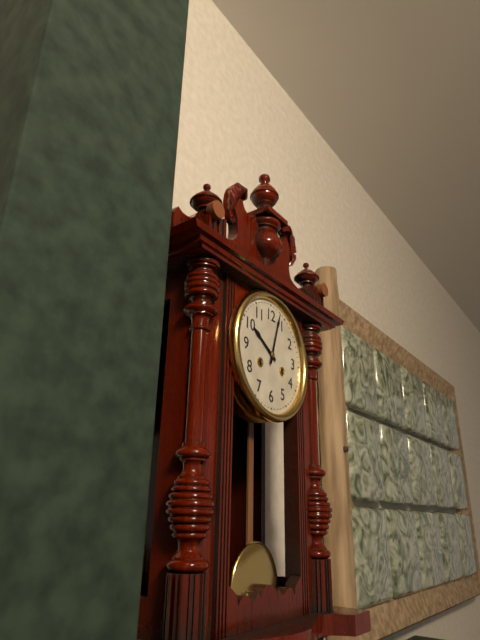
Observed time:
h=10 m=3
